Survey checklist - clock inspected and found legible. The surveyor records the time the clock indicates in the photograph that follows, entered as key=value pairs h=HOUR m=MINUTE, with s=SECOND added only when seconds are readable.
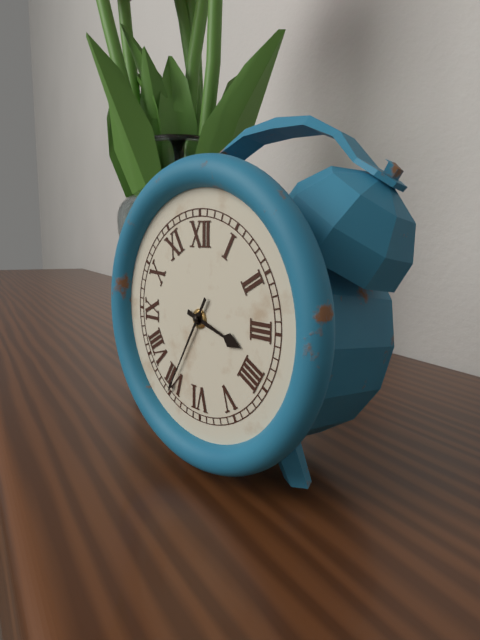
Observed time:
h=3 m=35
